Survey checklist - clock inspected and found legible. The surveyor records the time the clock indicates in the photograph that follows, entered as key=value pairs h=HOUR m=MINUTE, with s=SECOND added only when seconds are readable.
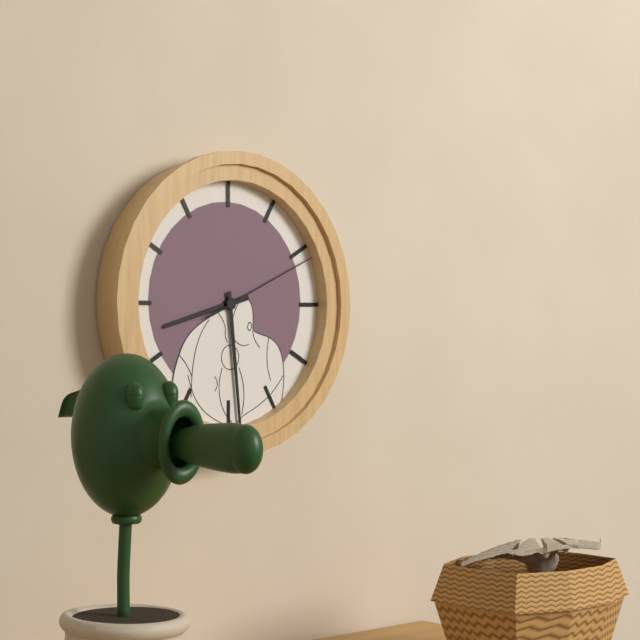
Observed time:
h=8 m=29 s=11
